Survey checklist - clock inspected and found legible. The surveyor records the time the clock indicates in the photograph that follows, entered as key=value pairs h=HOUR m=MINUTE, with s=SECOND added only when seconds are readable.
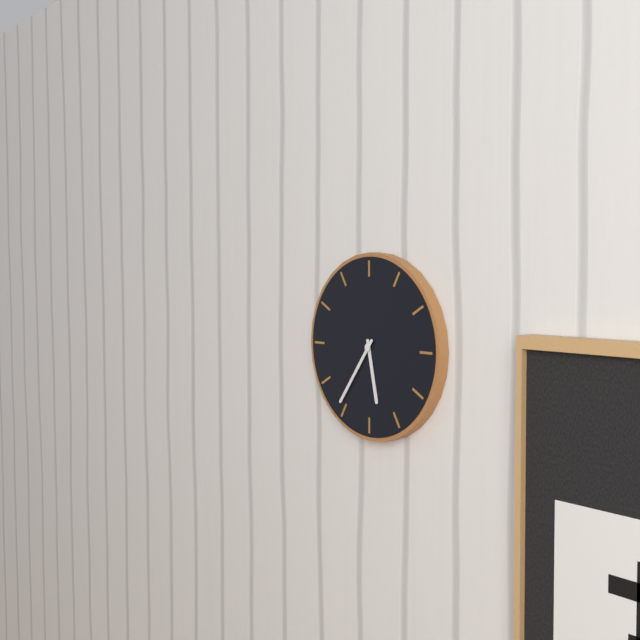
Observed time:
h=5 m=36
